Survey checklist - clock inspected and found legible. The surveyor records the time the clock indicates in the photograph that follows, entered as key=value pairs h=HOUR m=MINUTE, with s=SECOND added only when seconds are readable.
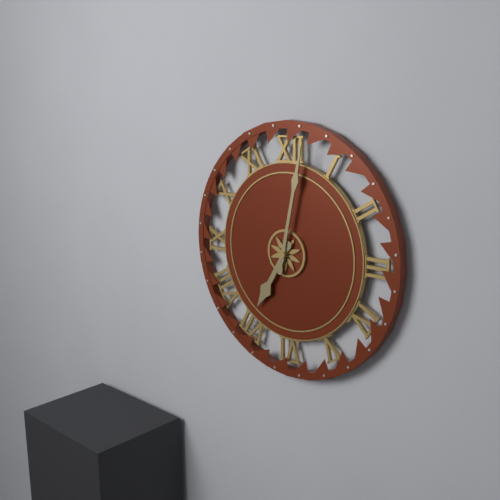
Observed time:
h=7 m=2
